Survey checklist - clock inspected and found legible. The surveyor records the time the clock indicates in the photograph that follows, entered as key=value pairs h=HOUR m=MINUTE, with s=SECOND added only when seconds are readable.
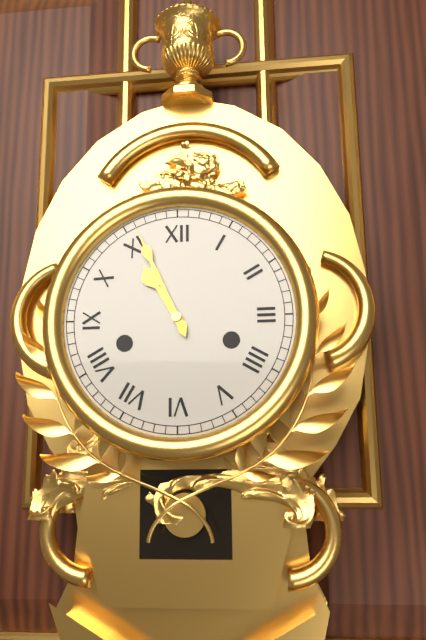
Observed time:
h=10 m=56
